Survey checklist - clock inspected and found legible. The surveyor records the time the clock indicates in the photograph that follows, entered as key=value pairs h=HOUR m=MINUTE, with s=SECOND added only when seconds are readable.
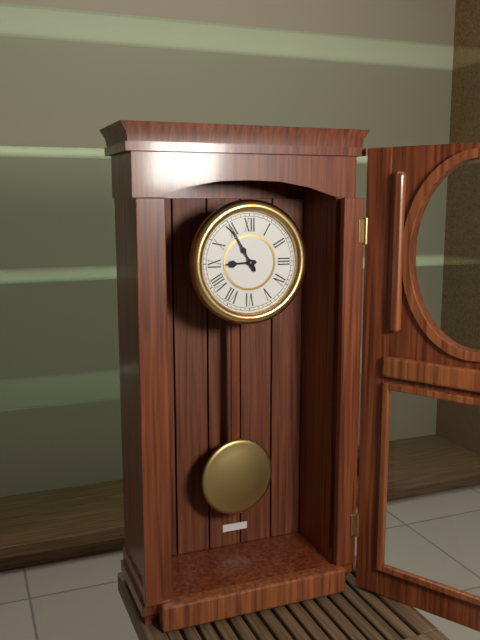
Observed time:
h=8 m=55
